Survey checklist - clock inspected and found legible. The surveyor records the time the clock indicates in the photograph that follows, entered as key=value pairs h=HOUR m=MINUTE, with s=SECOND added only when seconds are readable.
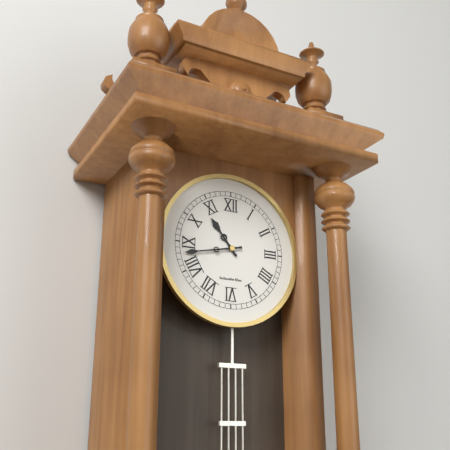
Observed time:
h=10 m=43
